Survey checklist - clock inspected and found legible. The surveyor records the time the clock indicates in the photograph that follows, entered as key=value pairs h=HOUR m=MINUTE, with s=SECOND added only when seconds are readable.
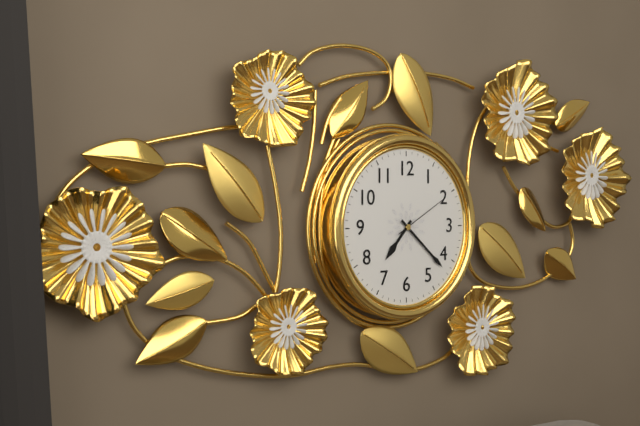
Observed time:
h=7 m=22 s=10
